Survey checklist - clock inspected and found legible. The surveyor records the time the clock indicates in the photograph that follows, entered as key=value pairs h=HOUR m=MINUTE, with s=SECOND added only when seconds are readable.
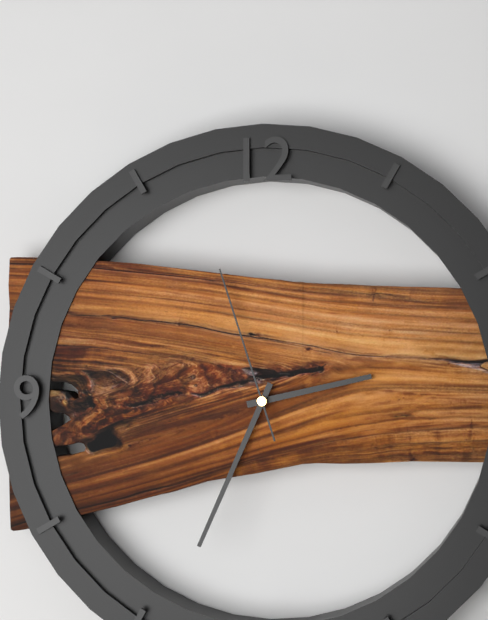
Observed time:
h=2 m=34 s=57
